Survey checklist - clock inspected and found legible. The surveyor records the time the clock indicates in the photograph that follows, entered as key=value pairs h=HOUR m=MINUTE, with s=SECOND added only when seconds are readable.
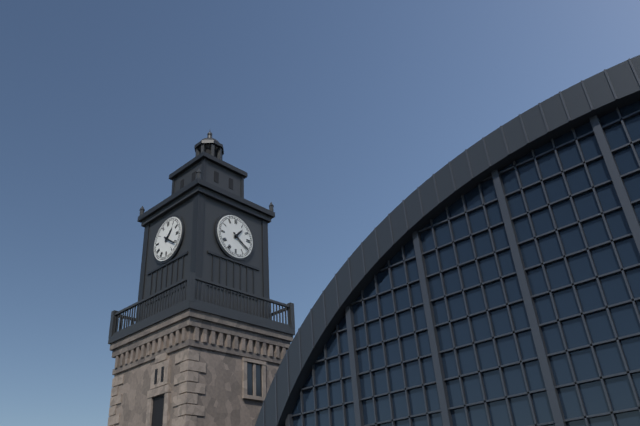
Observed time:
h=1 m=21
